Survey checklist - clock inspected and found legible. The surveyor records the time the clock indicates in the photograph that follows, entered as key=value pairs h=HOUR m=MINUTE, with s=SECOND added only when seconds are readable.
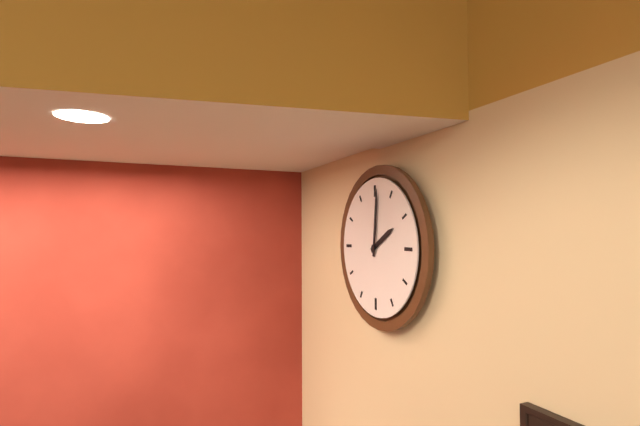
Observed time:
h=2 m=1
